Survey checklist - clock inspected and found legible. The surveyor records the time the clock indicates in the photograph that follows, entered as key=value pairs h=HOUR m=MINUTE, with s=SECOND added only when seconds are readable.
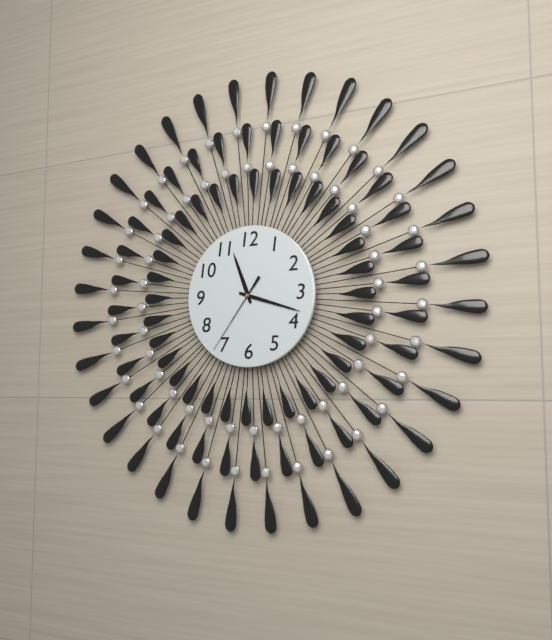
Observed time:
h=11 m=18 s=36
